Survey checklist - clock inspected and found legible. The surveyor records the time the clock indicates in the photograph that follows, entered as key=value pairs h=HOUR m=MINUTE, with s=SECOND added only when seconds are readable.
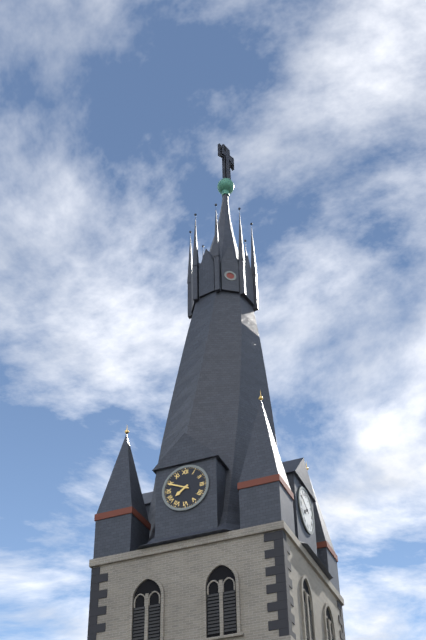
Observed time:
h=7 m=49
